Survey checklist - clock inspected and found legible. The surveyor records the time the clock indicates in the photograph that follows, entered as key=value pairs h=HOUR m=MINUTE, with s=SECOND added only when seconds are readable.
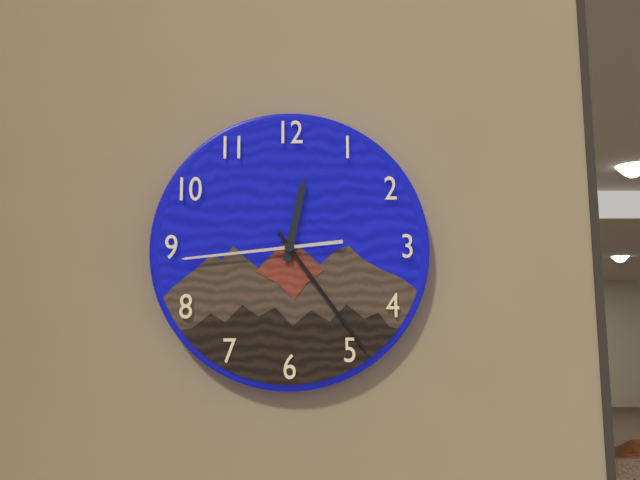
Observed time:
h=12 m=24 s=44
